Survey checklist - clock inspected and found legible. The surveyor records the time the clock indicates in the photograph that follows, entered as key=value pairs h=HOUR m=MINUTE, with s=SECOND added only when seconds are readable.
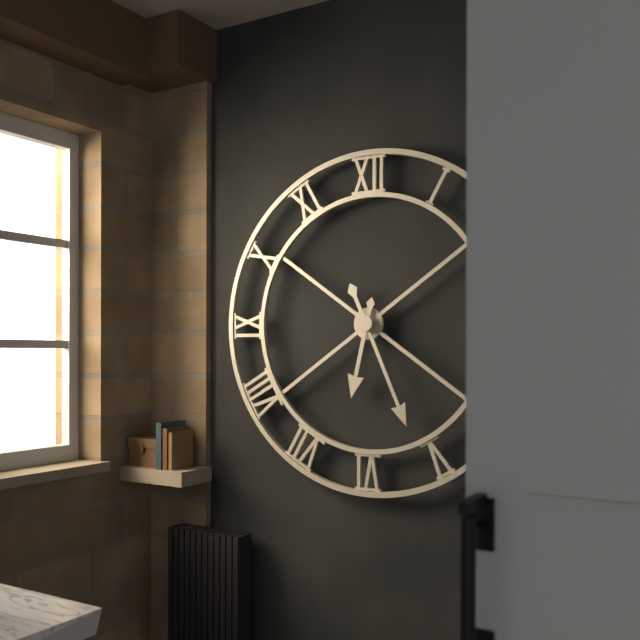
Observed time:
h=6 m=26
